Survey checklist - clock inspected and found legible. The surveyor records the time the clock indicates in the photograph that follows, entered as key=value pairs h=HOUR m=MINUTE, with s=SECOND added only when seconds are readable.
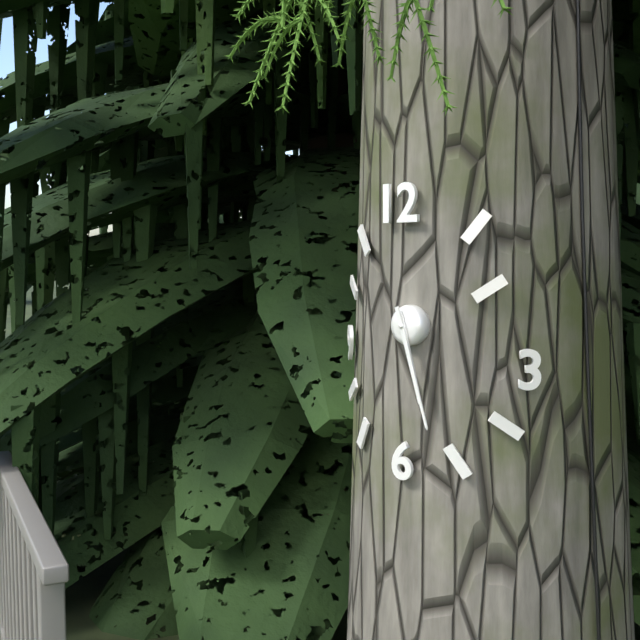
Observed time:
h=5 m=27
